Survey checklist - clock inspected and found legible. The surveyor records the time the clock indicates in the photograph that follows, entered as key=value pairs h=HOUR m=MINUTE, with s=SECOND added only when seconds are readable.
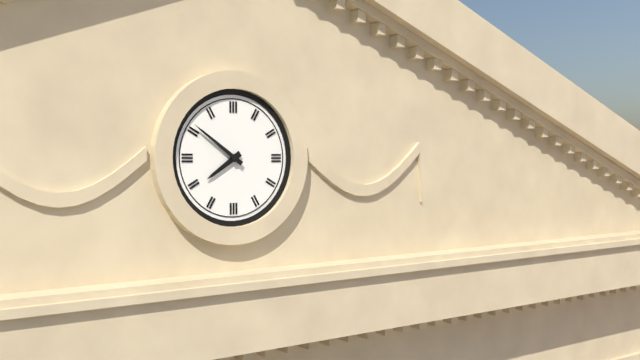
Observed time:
h=7 m=51
